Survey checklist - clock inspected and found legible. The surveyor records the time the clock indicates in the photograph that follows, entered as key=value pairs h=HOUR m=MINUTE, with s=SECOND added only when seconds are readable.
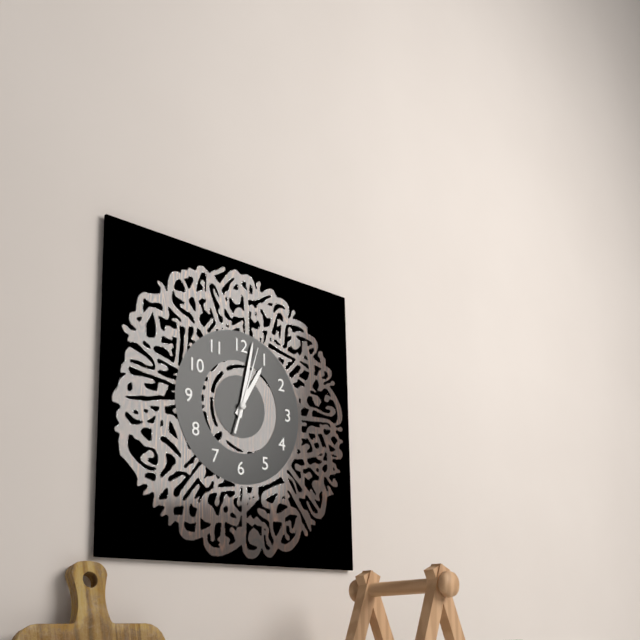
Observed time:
h=1 m=2 s=3
